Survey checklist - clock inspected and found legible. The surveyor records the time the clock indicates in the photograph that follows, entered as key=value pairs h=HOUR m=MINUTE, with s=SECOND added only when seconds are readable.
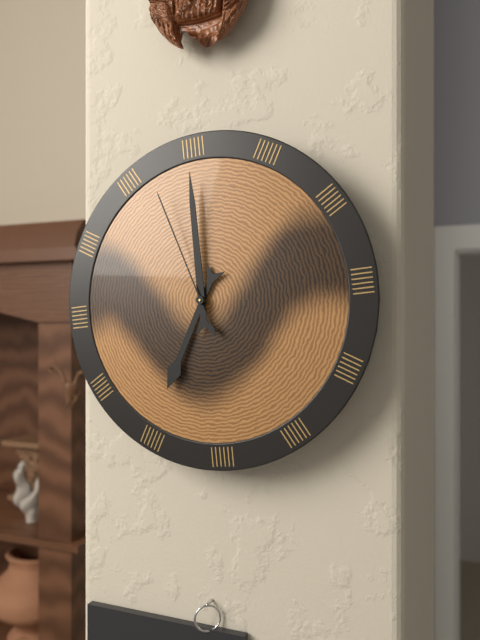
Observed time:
h=7 m=0 s=57
